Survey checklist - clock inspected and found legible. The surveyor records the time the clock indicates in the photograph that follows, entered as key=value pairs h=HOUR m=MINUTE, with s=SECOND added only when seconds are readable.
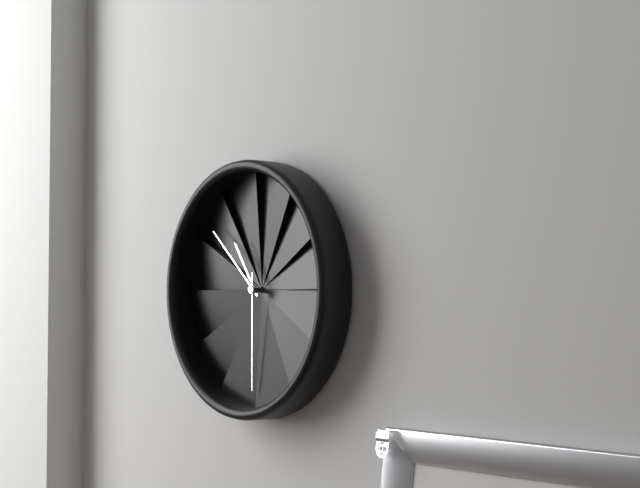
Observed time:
h=10 m=52 s=30
